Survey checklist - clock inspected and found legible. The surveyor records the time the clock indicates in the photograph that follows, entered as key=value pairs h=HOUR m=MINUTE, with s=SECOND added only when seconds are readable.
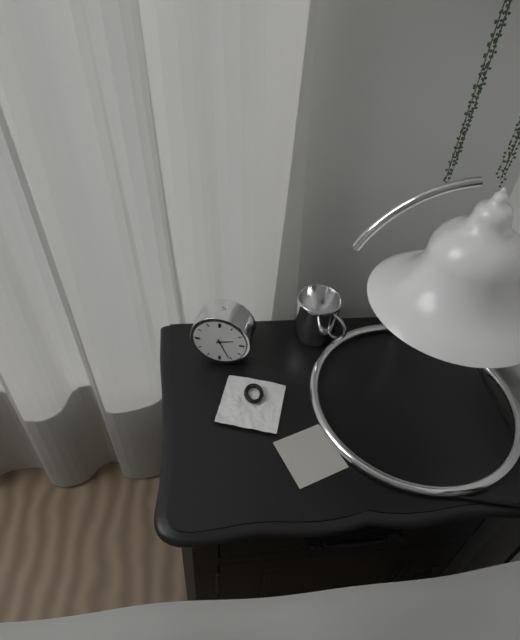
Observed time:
h=2 m=26
